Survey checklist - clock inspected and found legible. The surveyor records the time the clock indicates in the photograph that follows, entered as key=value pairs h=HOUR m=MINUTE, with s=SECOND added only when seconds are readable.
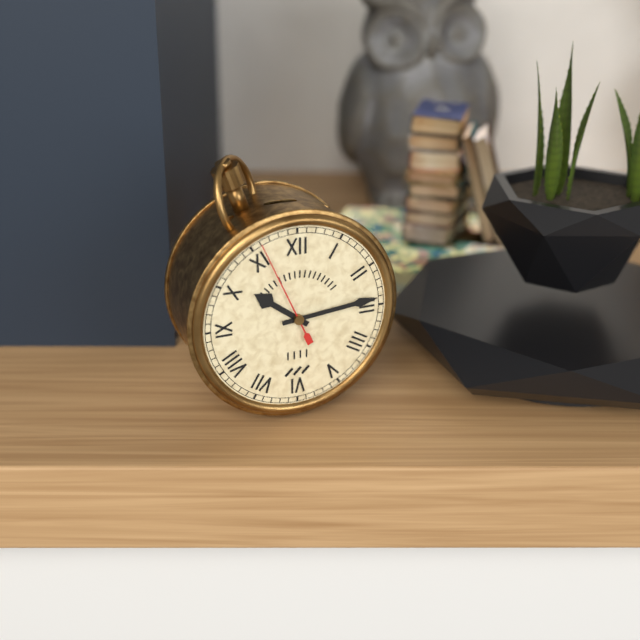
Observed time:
h=10 m=14 s=56
